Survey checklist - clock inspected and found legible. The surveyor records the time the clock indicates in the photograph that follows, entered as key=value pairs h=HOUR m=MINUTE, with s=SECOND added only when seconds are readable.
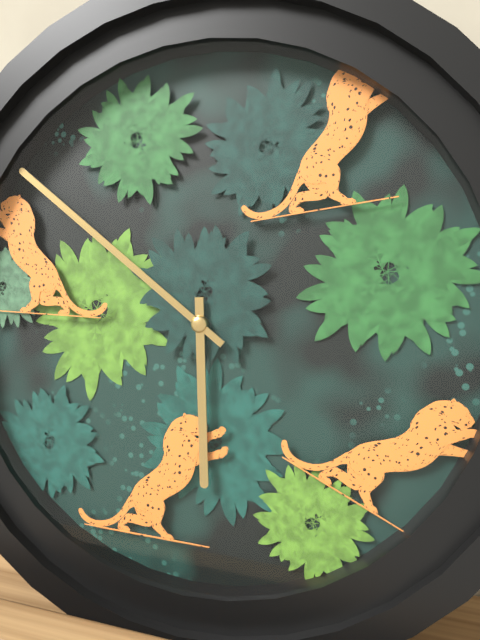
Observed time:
h=5 m=51
